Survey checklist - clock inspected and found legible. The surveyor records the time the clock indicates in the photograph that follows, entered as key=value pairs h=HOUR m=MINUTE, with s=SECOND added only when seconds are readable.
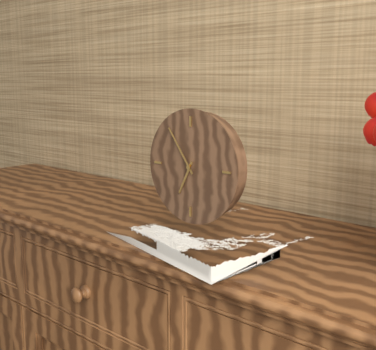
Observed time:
h=6 m=54
